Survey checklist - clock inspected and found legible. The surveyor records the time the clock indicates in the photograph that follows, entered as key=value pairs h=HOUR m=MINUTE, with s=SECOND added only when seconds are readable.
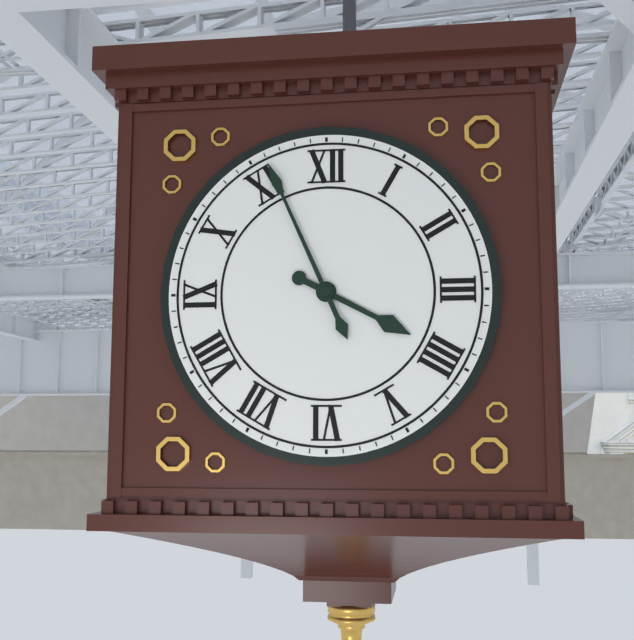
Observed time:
h=3 m=56
